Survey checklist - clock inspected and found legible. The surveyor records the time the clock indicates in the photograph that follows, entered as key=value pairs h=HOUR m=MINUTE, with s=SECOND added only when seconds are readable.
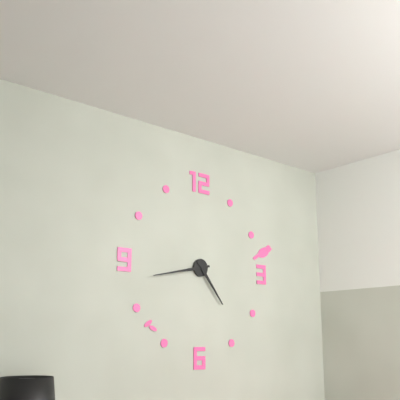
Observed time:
h=4 m=43
